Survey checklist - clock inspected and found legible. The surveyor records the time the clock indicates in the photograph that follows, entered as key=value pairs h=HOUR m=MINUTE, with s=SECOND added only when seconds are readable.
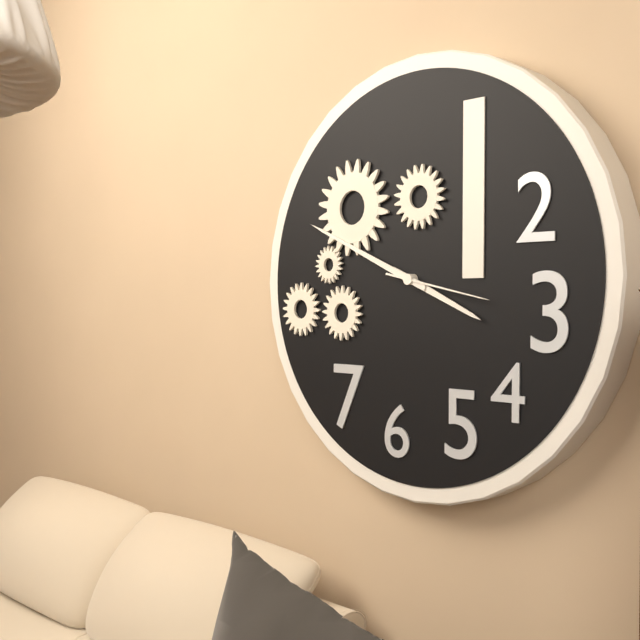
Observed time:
h=3 m=49 s=17
